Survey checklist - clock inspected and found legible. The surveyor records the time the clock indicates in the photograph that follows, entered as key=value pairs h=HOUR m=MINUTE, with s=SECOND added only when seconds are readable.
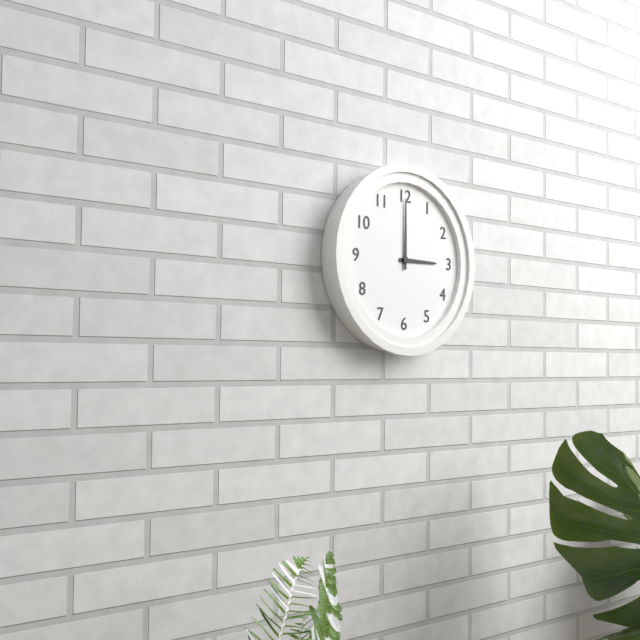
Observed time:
h=3 m=0
